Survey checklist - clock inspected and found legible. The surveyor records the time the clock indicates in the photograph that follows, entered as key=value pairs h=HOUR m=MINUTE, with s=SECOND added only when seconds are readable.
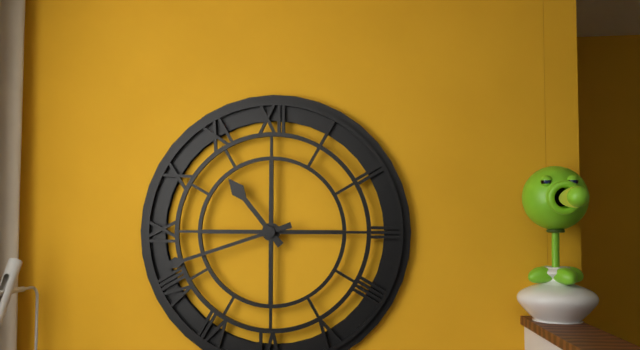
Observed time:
h=10 m=42
